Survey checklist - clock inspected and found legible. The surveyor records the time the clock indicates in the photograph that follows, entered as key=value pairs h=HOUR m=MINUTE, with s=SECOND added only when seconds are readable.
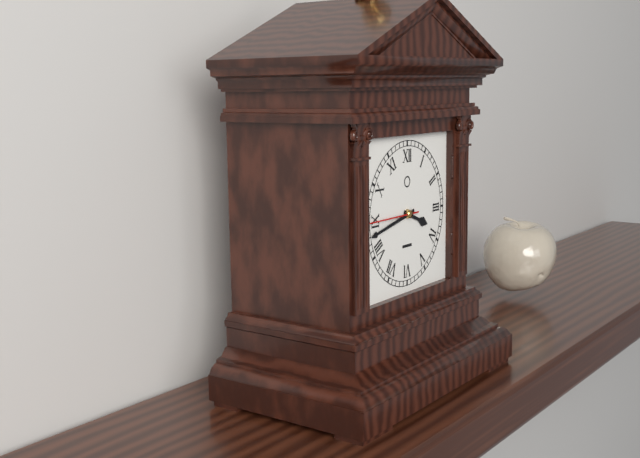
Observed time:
h=3 m=43 s=45
